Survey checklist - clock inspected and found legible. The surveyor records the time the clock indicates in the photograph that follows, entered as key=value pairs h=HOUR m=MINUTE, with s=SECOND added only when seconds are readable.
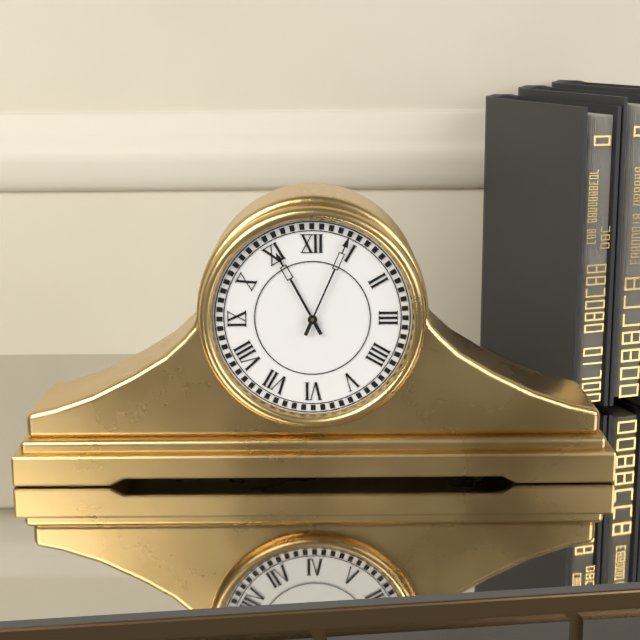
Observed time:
h=11 m=4
